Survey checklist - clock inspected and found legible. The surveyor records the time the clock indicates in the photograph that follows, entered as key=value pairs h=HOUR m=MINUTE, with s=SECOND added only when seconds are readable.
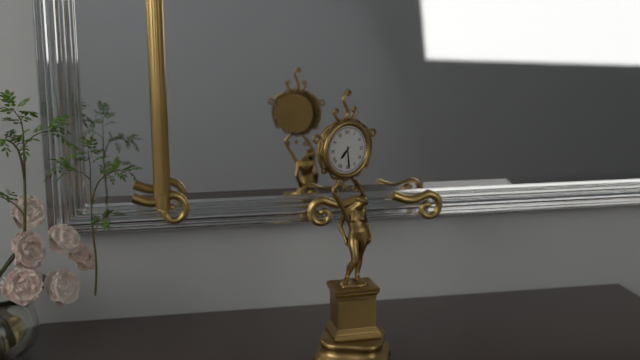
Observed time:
h=7 m=29
